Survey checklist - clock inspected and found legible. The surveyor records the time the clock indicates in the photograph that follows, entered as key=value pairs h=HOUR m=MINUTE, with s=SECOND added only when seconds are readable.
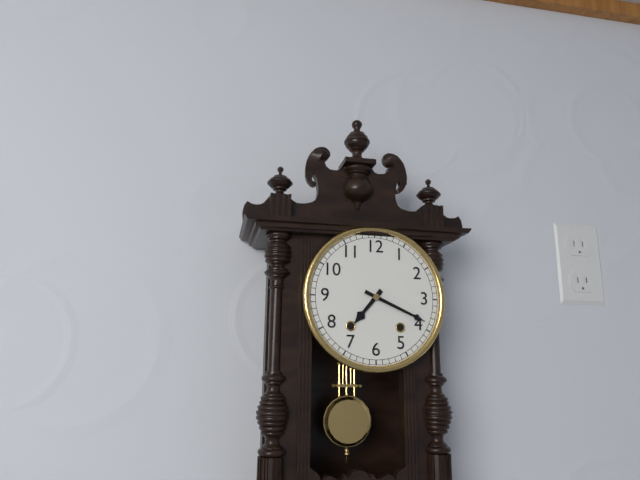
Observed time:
h=7 m=19
